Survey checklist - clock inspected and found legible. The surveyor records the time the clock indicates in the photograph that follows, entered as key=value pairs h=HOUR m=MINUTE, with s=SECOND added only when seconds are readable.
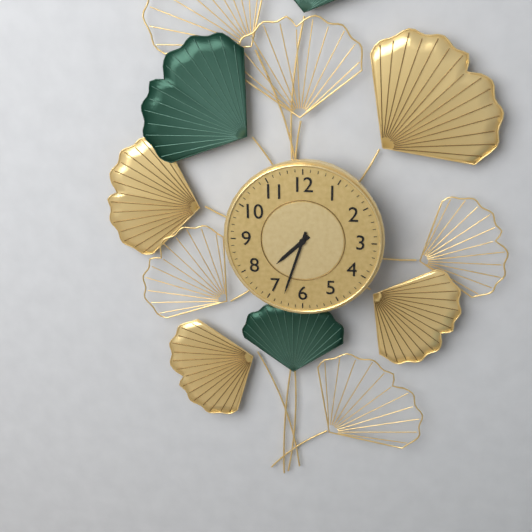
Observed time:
h=7 m=33
